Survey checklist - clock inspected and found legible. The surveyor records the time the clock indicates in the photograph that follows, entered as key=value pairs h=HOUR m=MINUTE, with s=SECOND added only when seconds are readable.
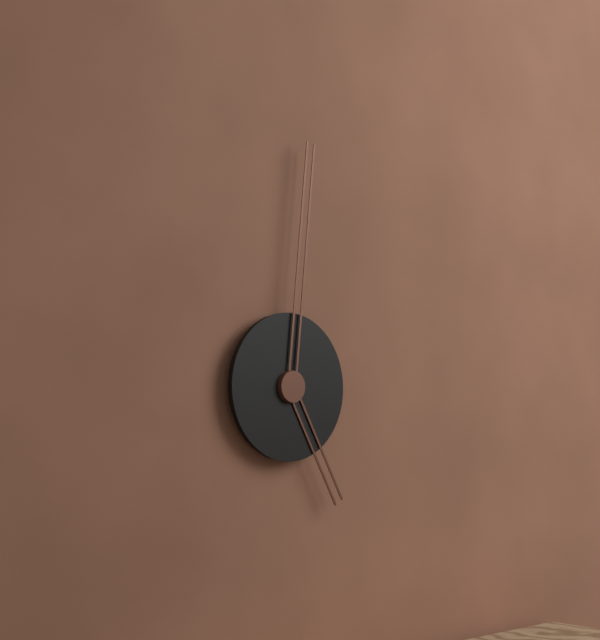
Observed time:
h=5 m=1
